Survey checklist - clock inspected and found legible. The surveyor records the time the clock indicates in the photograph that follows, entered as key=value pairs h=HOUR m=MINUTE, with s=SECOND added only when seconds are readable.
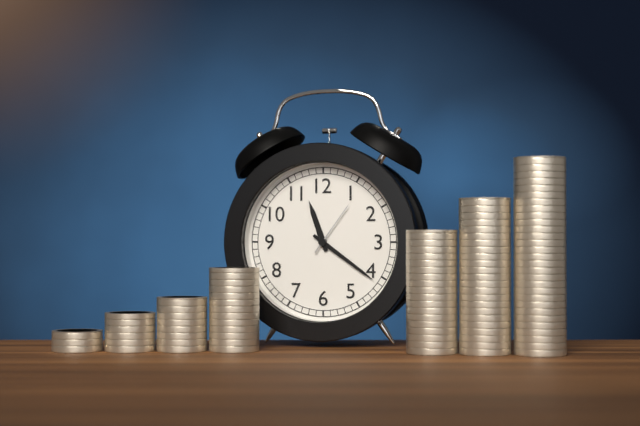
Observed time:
h=11 m=21 s=6
